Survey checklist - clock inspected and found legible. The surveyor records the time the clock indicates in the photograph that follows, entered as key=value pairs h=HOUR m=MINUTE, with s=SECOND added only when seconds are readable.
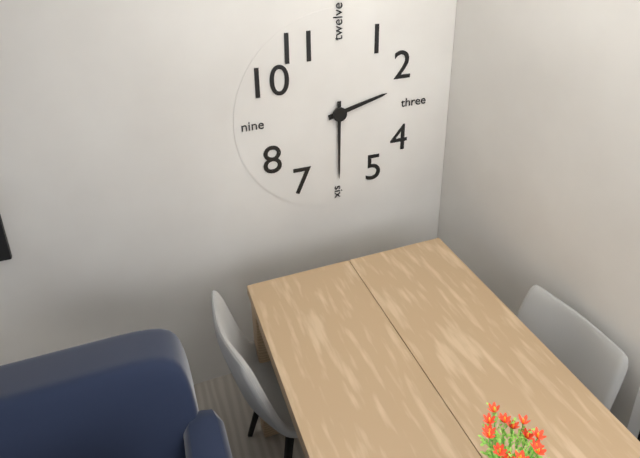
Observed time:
h=2 m=30
